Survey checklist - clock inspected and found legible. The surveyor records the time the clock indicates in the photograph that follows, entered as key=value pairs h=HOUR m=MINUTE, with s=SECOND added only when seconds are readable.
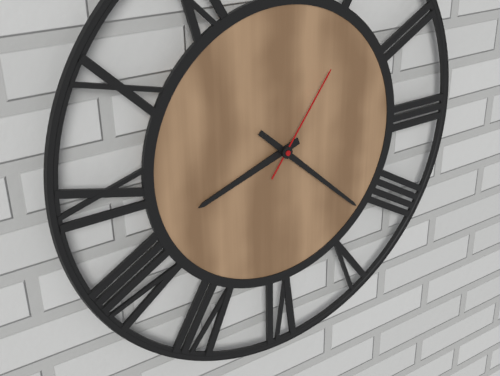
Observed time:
h=8 m=22 s=6
